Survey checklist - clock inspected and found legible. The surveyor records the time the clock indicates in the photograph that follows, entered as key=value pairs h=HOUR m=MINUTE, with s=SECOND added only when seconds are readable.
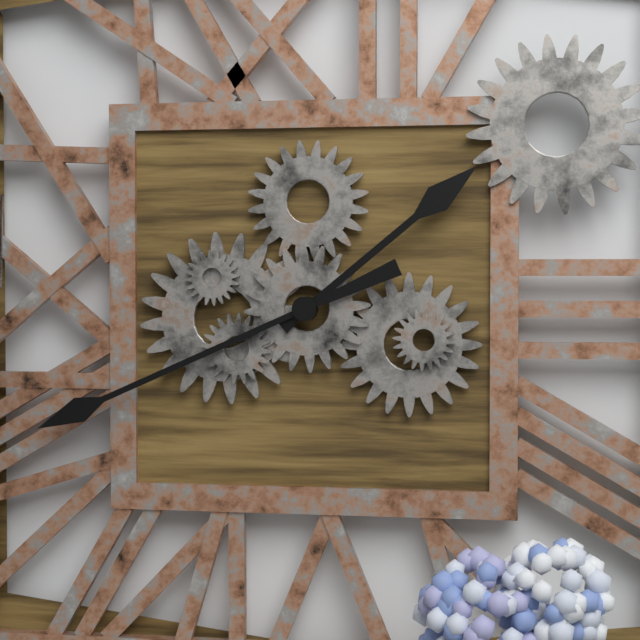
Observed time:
h=1 m=41
